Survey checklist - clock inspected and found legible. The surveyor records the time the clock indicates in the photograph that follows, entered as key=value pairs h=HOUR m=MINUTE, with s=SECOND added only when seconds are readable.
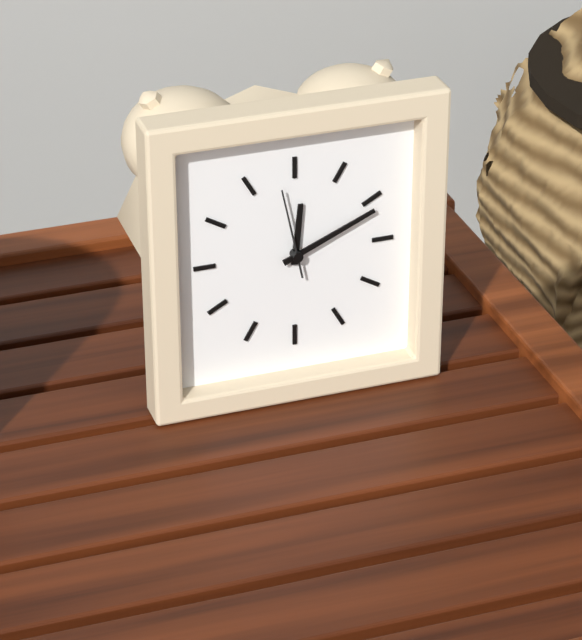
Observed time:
h=12 m=11 s=58
